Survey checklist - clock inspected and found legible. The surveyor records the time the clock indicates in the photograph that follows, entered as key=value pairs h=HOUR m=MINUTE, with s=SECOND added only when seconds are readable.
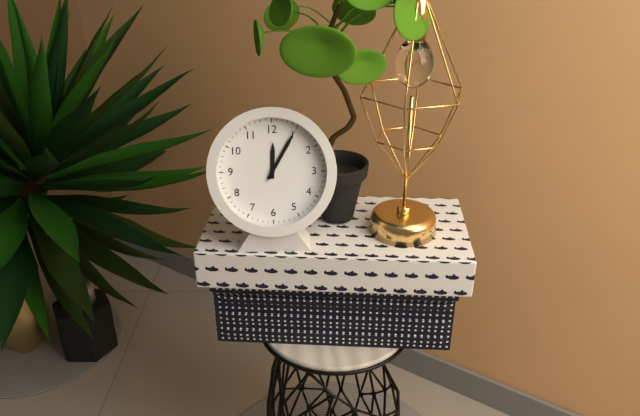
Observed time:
h=12 m=5 s=5
